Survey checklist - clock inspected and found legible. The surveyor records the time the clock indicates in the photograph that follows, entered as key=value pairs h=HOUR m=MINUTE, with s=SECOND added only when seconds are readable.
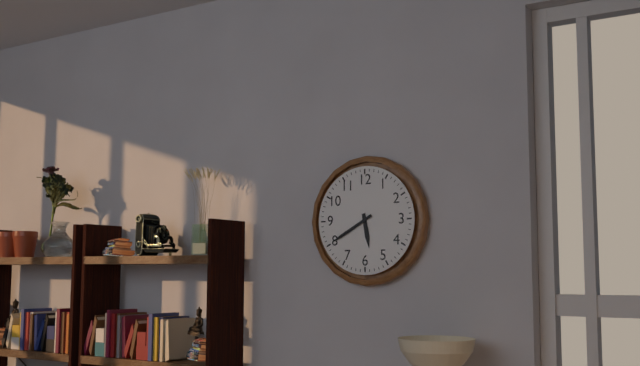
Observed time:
h=5 m=40
